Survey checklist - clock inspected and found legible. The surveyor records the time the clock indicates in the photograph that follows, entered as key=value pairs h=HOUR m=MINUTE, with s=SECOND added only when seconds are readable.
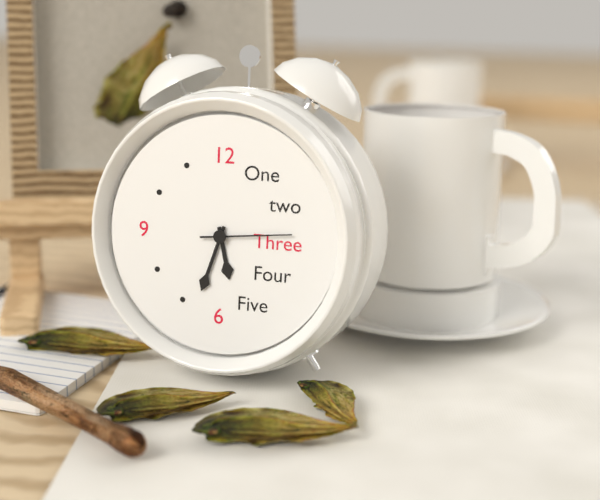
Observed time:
h=5 m=33 s=14
